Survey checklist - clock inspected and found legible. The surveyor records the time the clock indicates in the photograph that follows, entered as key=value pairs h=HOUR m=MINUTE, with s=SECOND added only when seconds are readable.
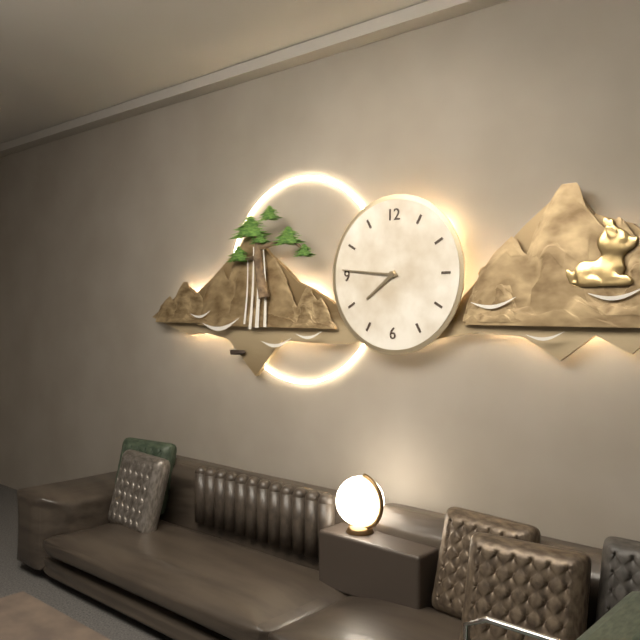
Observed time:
h=7 m=46
